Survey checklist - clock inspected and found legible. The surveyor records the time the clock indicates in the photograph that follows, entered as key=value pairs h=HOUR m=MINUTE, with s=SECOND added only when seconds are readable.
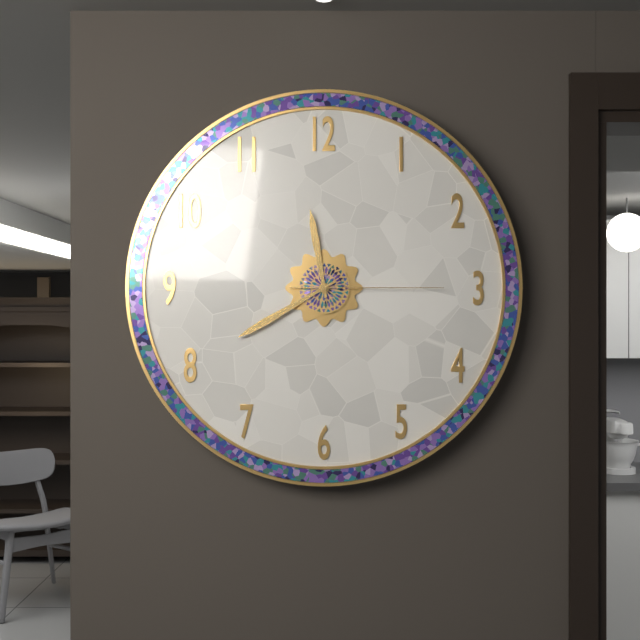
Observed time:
h=11 m=40 s=15
